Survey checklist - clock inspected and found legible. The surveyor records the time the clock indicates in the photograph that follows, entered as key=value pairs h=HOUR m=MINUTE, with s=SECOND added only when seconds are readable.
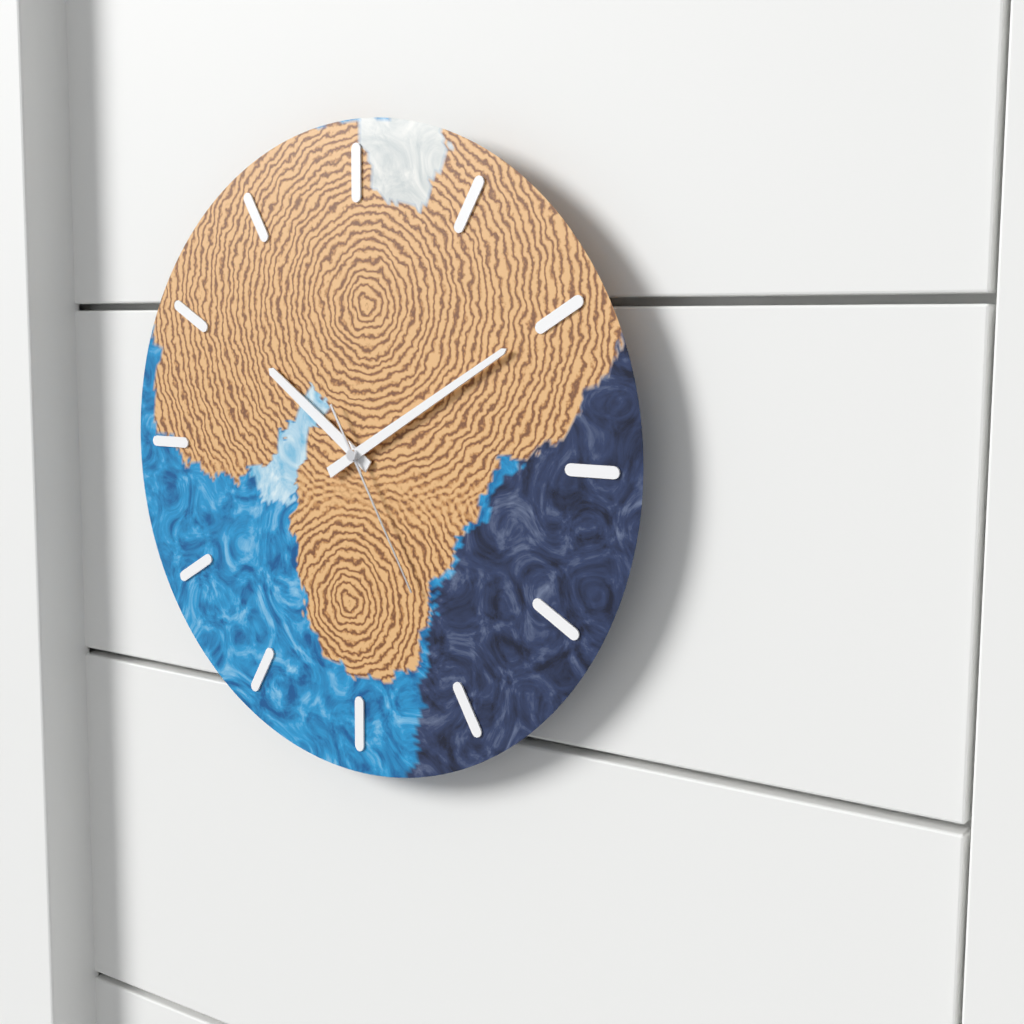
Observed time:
h=10 m=10 s=25
